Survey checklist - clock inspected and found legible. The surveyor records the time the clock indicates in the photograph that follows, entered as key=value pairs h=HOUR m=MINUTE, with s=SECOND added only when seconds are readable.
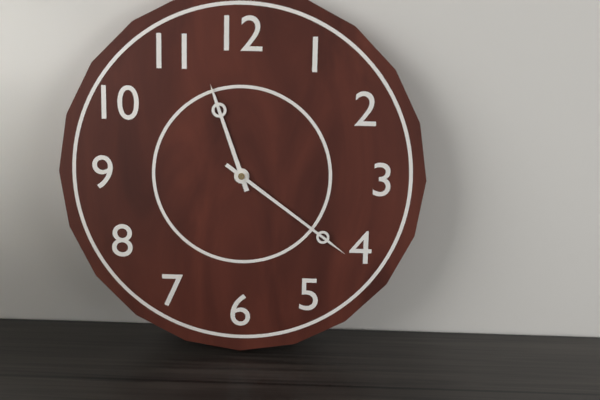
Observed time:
h=11 m=21
